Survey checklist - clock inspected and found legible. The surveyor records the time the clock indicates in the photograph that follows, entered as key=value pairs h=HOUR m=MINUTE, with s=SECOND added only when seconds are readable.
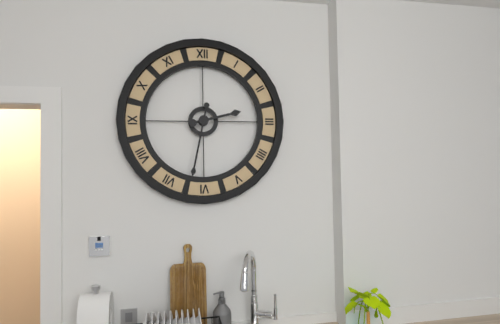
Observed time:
h=2 m=32
